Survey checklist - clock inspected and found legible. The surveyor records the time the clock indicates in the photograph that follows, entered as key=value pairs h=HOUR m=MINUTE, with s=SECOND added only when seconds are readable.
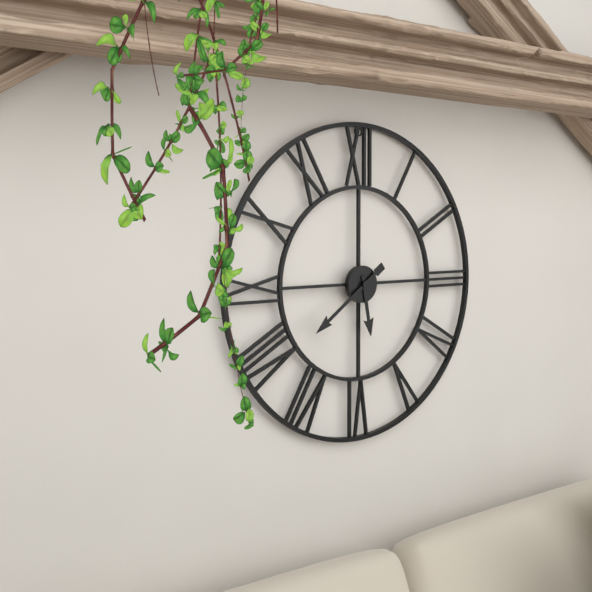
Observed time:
h=5 m=39
